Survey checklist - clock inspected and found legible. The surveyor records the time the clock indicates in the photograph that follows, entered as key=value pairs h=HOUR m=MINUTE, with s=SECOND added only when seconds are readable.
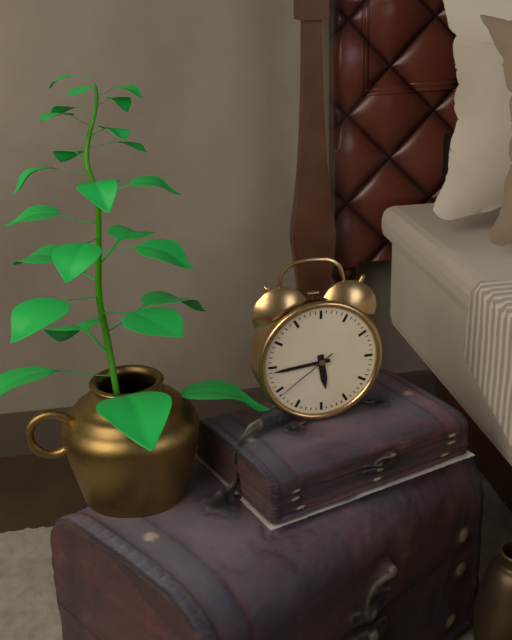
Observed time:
h=5 m=44 s=39
